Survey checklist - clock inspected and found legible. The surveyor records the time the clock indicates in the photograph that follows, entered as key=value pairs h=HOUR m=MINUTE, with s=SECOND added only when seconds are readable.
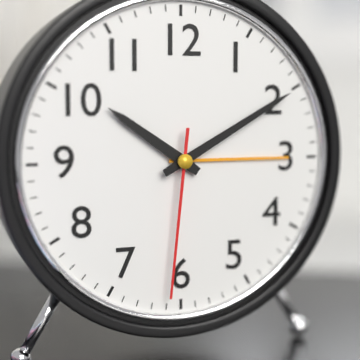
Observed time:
h=10 m=10 s=31
